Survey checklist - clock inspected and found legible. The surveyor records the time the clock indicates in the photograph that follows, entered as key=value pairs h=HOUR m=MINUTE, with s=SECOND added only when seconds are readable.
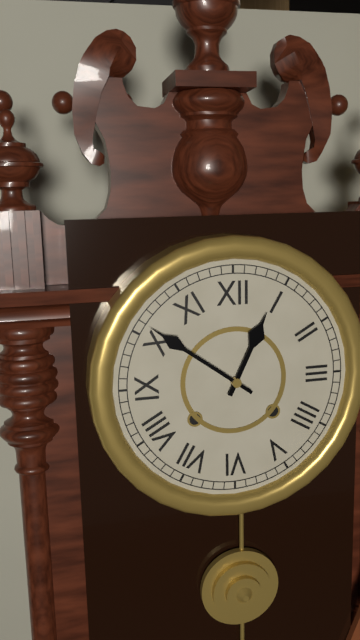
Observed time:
h=12 m=51
